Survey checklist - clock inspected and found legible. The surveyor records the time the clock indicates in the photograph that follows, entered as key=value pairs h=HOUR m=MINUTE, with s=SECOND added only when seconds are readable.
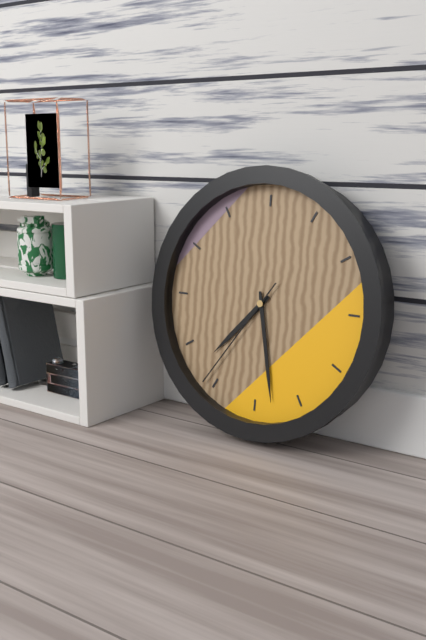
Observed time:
h=7 m=28 s=36
